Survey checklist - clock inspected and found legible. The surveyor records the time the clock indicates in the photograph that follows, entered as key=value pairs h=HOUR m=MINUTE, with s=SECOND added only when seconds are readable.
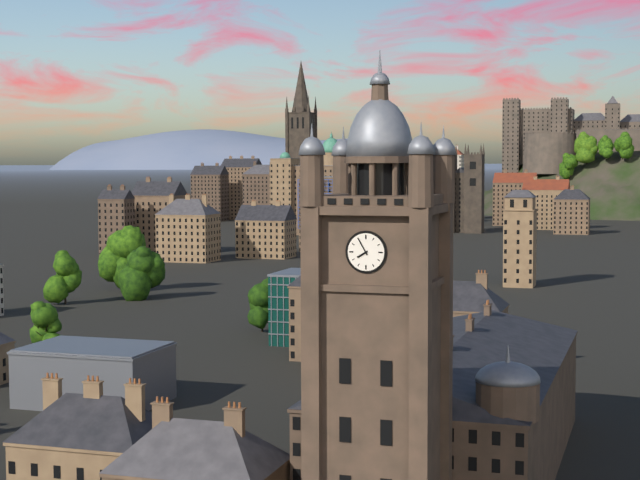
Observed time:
h=7 m=55
